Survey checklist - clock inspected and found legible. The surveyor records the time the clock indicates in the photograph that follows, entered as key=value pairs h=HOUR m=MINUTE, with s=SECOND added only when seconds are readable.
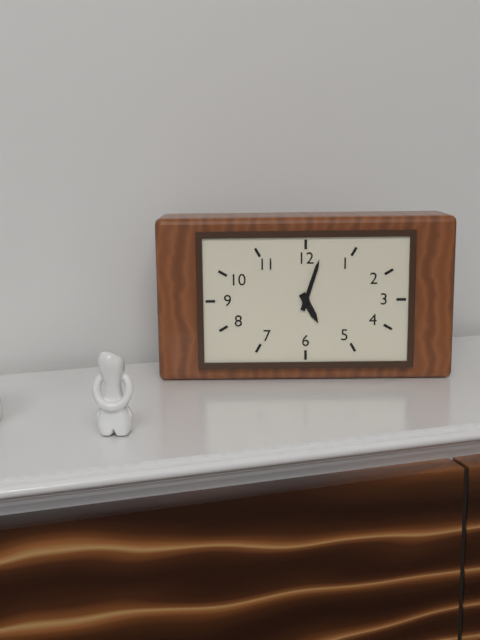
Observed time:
h=5 m=3
